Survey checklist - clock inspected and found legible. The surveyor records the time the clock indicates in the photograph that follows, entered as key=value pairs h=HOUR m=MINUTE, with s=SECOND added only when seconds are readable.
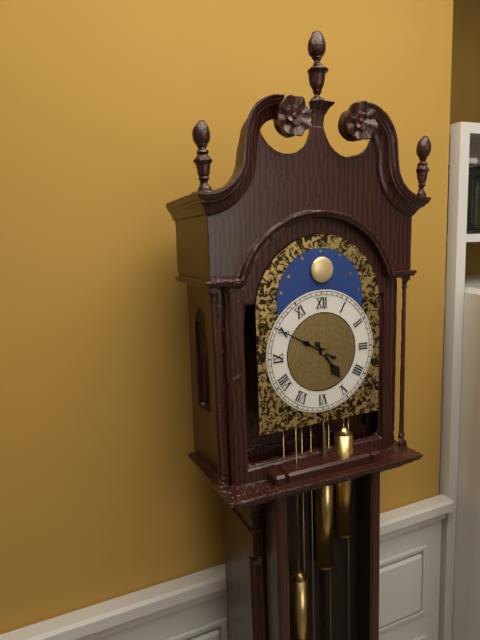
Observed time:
h=4 m=50
